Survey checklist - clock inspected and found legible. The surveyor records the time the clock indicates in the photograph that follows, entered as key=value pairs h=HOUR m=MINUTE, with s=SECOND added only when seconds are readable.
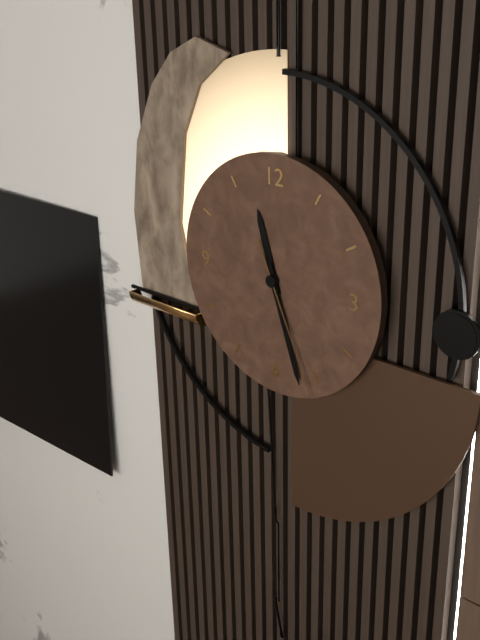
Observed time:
h=11 m=27 s=26
